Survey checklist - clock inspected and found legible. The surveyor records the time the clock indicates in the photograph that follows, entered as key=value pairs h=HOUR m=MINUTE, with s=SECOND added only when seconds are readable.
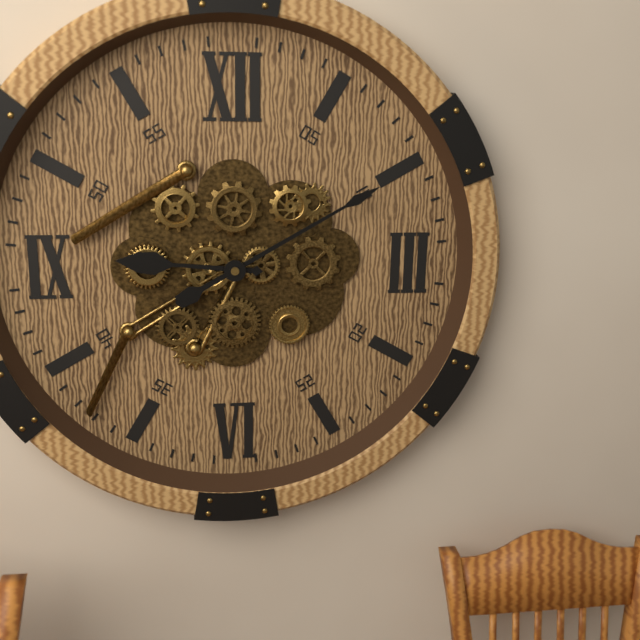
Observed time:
h=9 m=10
